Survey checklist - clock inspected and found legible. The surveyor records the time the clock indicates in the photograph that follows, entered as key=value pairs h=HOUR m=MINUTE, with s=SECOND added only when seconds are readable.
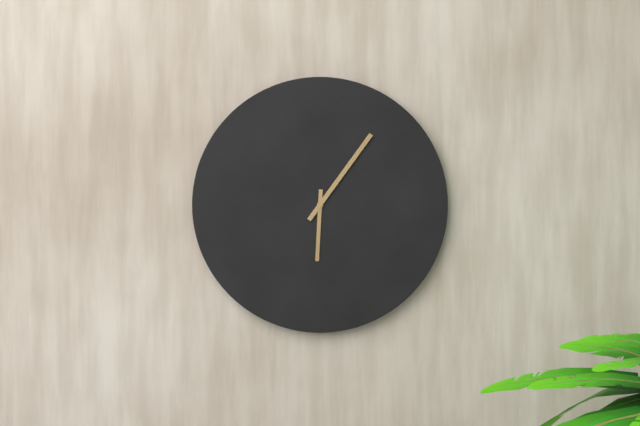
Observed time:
h=6 m=6
